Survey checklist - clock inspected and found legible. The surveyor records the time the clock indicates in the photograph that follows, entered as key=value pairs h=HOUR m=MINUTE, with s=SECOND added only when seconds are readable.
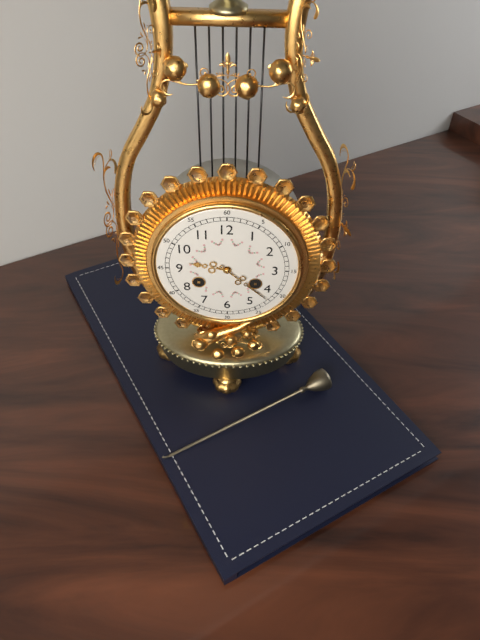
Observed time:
h=9 m=22
